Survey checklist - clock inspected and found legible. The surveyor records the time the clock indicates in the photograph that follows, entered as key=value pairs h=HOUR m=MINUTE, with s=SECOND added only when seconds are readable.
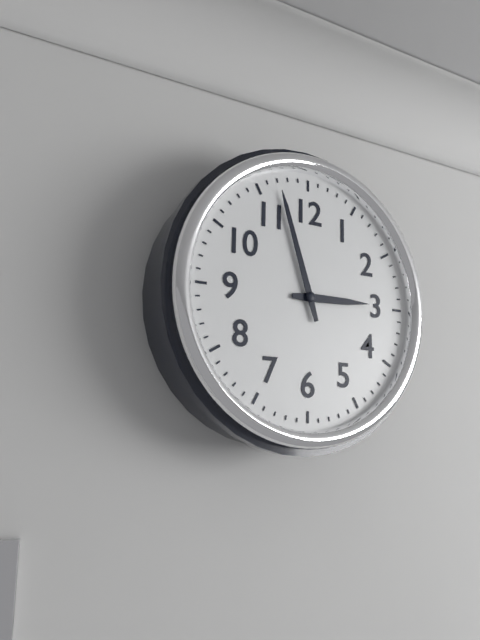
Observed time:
h=2 m=57
